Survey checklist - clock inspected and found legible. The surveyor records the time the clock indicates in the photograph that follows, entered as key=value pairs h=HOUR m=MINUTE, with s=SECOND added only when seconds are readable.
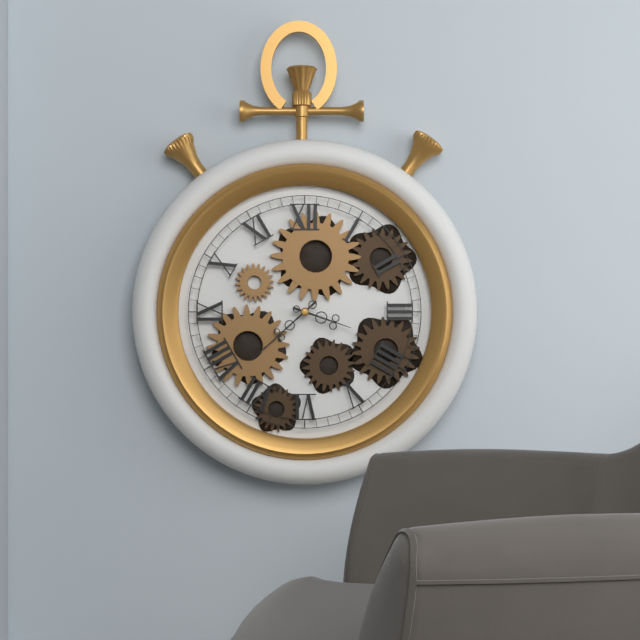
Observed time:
h=3 m=38
